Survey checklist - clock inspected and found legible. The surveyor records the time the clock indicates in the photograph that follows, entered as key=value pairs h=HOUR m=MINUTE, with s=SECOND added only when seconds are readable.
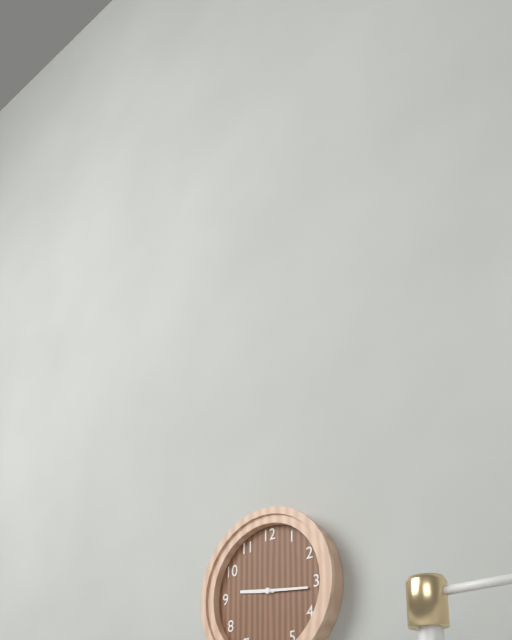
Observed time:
h=9 m=16
